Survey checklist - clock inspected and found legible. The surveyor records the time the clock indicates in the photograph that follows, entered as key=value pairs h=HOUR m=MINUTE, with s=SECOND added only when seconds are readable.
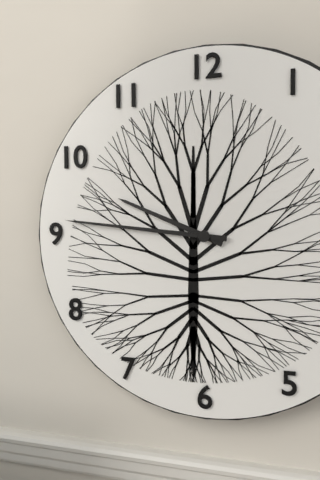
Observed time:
h=9 m=46
